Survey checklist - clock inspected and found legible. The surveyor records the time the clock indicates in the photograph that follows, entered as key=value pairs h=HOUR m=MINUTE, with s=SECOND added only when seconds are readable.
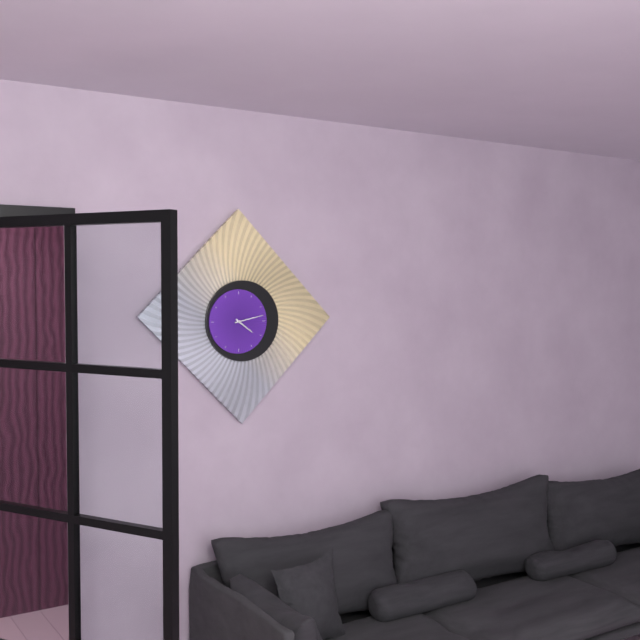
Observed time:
h=4 m=13
